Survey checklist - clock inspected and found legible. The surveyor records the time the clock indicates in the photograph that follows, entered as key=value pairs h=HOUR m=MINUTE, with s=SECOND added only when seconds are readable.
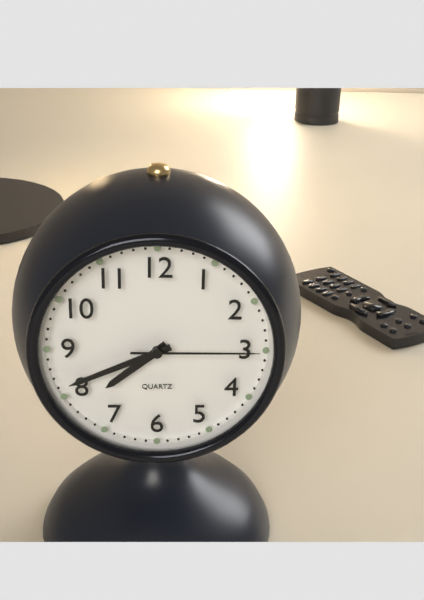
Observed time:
h=7 m=41 s=15
